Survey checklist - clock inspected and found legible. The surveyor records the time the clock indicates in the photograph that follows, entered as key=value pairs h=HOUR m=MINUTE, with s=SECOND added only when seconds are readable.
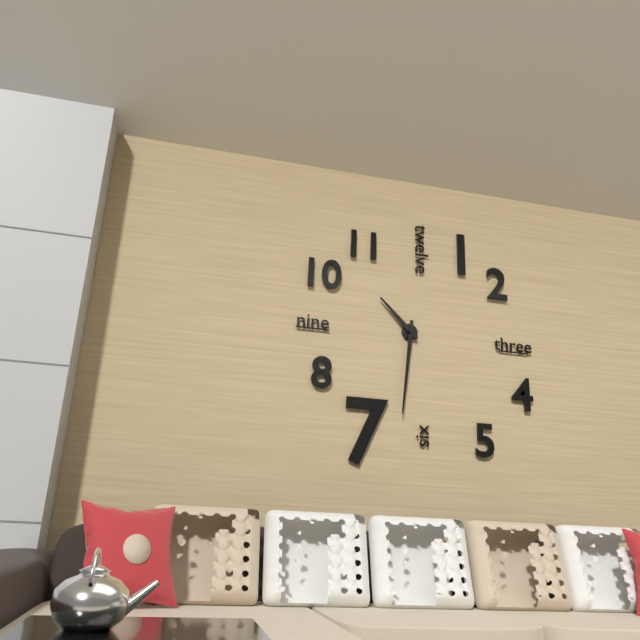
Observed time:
h=10 m=31
